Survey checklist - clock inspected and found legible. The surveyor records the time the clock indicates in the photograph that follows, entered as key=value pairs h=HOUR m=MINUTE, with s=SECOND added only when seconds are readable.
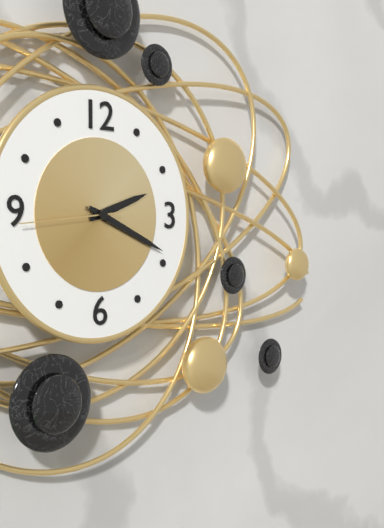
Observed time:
h=2 m=19 s=44
